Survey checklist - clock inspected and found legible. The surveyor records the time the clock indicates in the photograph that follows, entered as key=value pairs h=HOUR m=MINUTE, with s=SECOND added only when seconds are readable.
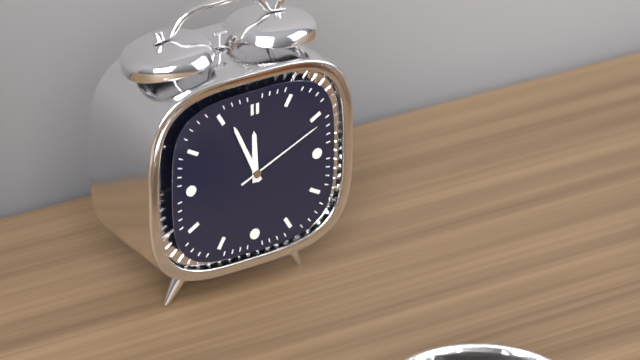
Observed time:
h=11 m=56 s=11
